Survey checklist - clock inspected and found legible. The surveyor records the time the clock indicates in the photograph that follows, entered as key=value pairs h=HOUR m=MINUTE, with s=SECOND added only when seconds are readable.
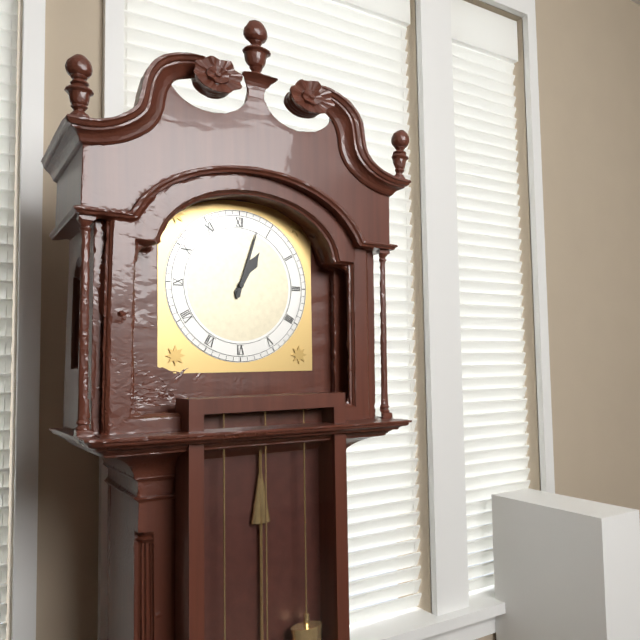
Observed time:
h=1 m=3
